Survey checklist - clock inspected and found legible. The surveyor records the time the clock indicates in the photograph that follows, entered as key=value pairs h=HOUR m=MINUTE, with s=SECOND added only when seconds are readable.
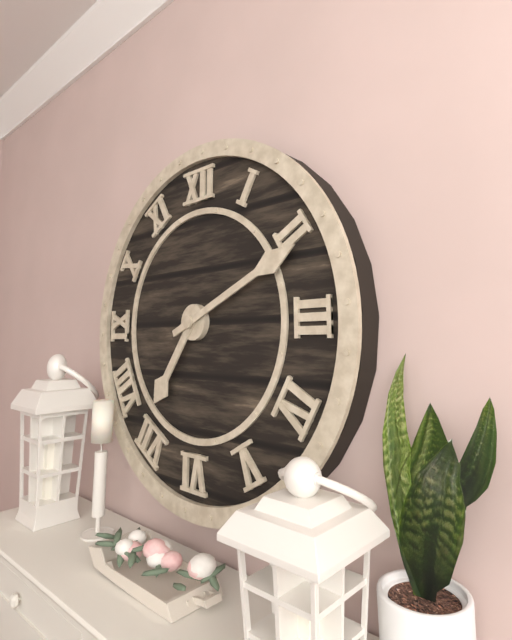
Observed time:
h=7 m=11
